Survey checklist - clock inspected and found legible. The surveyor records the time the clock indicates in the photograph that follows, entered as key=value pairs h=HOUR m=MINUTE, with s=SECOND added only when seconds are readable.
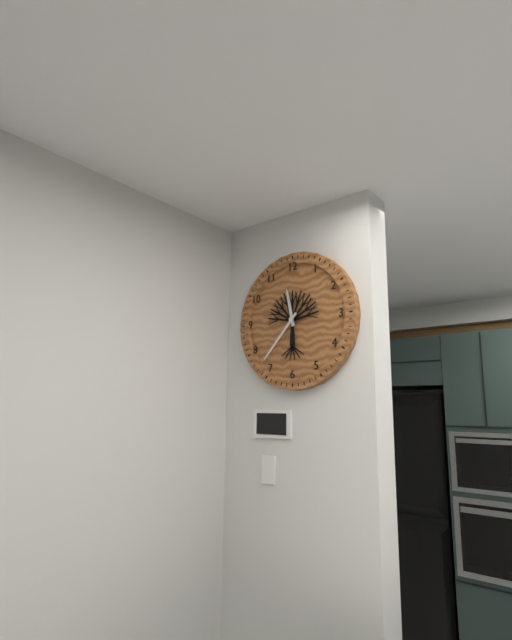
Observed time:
h=11 m=37
